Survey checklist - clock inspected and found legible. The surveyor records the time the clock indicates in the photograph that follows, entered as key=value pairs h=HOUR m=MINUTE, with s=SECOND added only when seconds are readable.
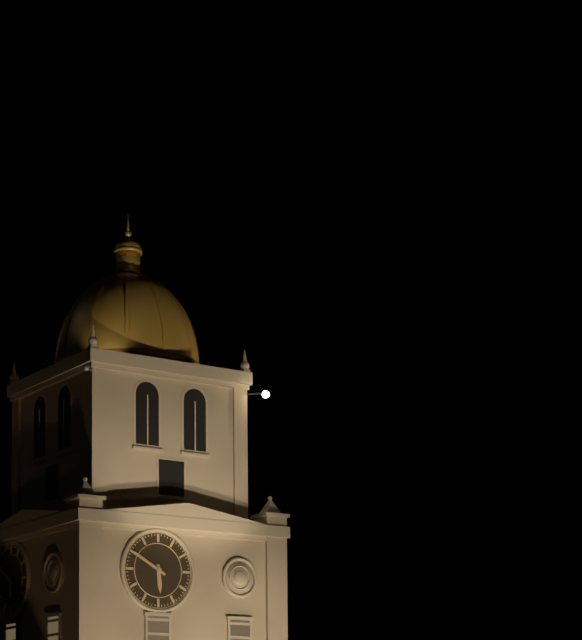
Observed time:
h=5 m=50
